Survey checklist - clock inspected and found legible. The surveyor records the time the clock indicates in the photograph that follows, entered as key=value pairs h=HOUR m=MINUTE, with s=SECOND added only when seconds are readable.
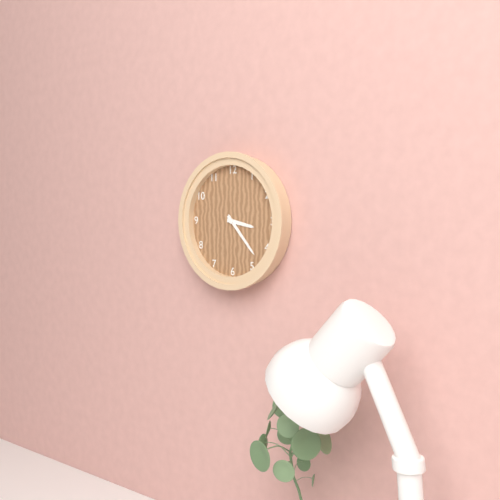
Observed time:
h=3 m=23
